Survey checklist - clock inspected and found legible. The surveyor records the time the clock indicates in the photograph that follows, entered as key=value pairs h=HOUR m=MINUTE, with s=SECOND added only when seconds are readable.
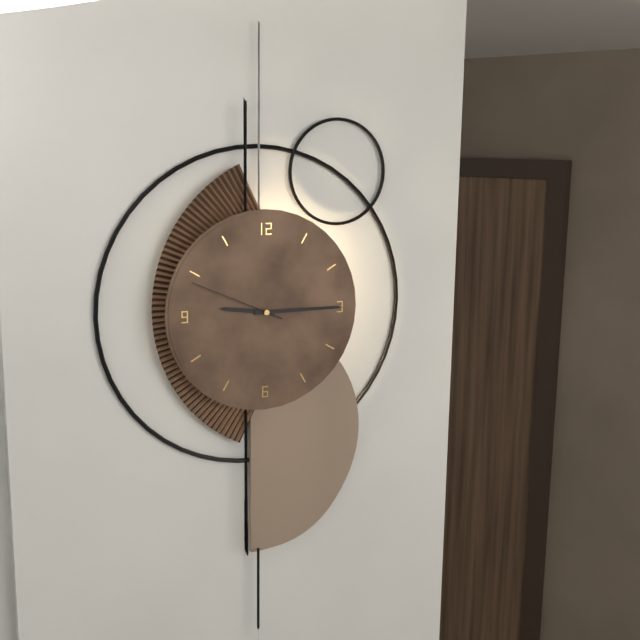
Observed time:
h=9 m=15 s=49
